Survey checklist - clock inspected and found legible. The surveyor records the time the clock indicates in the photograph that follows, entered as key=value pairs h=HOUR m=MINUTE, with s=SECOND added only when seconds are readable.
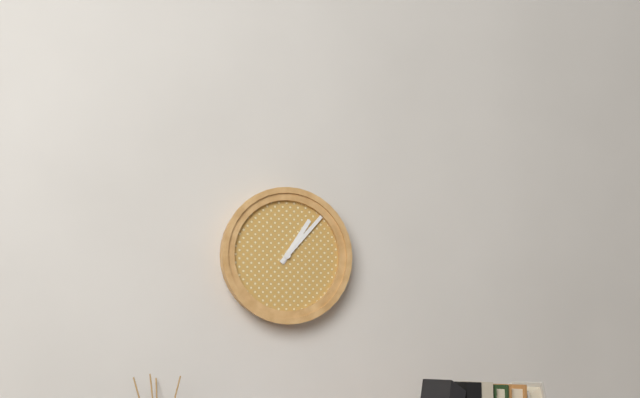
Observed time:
h=1 m=7
